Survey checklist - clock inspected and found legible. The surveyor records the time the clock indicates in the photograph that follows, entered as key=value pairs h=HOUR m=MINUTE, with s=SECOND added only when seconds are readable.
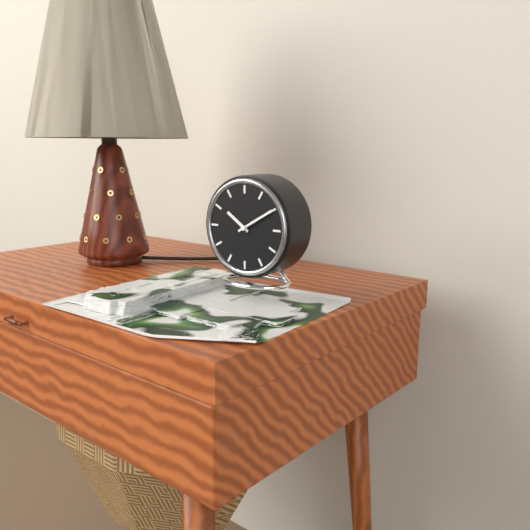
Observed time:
h=10 m=10
